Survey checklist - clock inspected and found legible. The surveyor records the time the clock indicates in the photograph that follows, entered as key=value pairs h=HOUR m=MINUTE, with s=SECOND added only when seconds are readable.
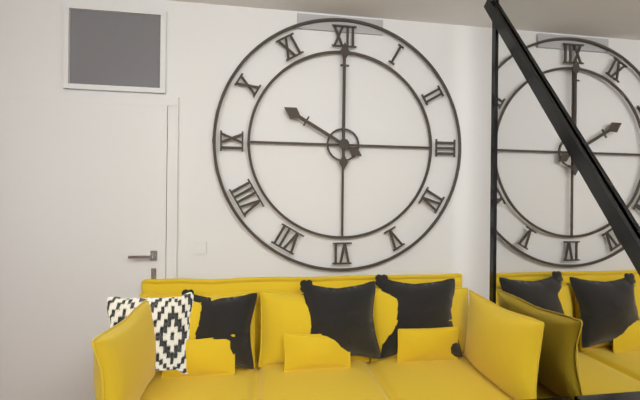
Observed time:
h=10 m=0
